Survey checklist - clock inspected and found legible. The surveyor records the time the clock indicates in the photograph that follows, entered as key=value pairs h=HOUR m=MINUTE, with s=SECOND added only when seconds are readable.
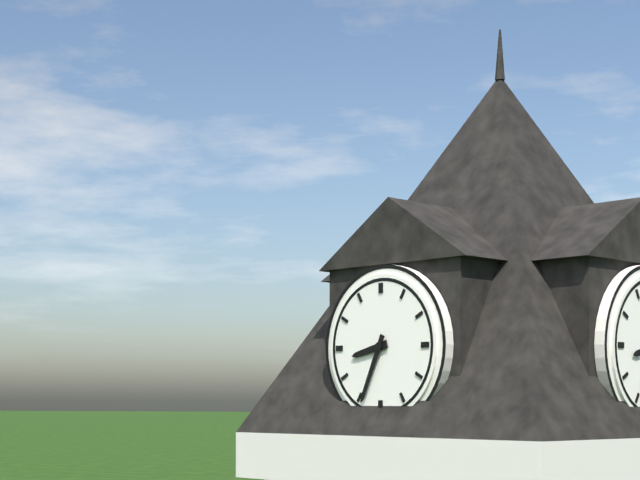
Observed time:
h=8 m=34
